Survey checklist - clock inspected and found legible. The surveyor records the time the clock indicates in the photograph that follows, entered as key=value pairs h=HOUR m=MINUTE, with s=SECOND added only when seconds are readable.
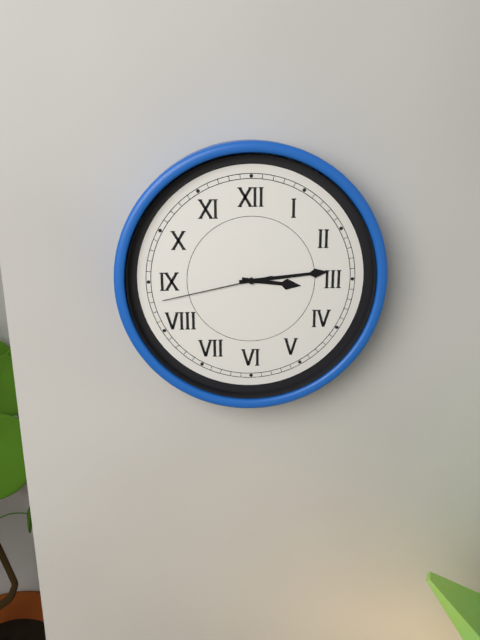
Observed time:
h=3 m=14 s=43
